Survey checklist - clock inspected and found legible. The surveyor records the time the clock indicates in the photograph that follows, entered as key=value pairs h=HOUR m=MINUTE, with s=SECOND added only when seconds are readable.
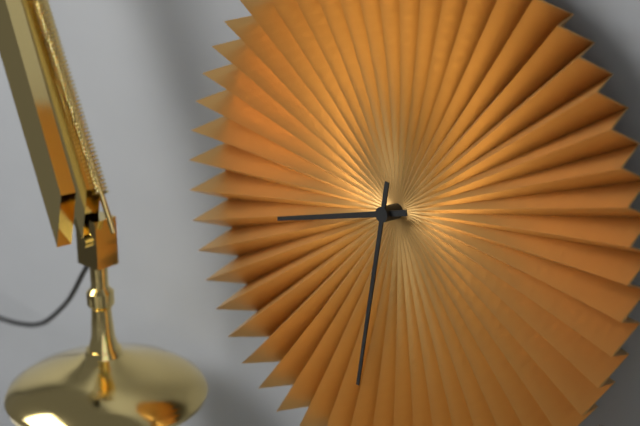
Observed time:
h=8 m=31
